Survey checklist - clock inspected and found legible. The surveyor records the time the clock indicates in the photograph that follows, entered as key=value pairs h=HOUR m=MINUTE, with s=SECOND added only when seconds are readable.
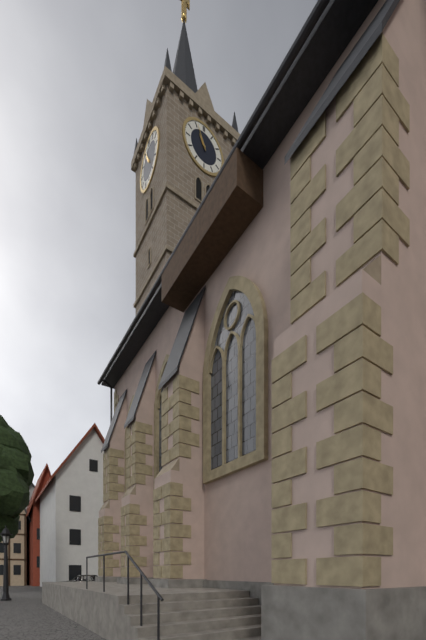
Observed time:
h=10 m=56
